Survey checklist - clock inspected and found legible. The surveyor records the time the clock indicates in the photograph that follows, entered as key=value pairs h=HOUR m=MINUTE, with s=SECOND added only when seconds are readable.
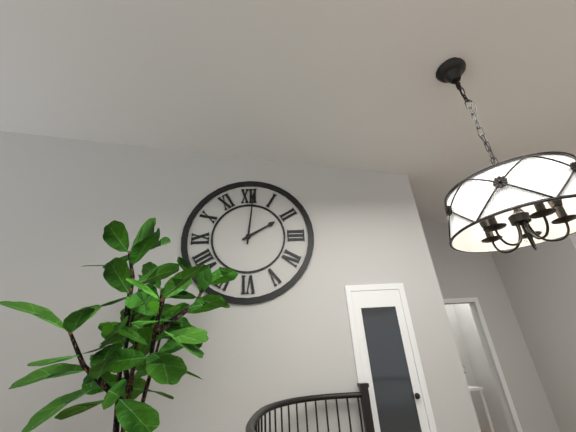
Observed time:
h=2 m=1
